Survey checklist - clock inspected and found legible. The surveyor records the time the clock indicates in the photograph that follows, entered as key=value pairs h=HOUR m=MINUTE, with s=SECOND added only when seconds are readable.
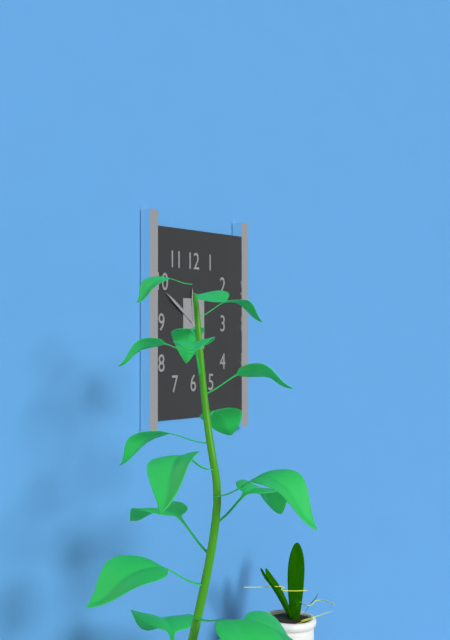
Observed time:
h=11 m=51
